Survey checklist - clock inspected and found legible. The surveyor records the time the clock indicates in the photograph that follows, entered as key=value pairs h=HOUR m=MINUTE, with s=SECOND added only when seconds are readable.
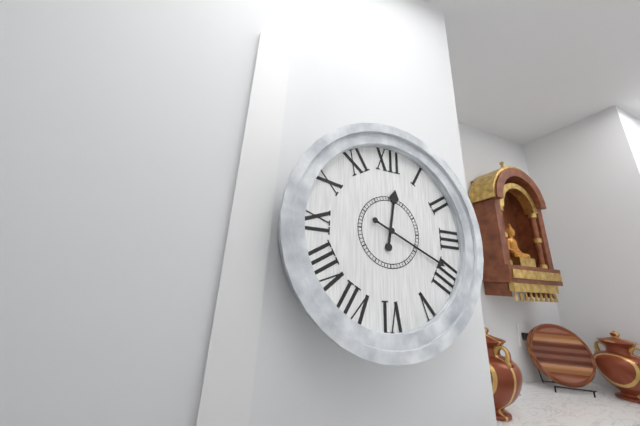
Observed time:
h=12 m=19
